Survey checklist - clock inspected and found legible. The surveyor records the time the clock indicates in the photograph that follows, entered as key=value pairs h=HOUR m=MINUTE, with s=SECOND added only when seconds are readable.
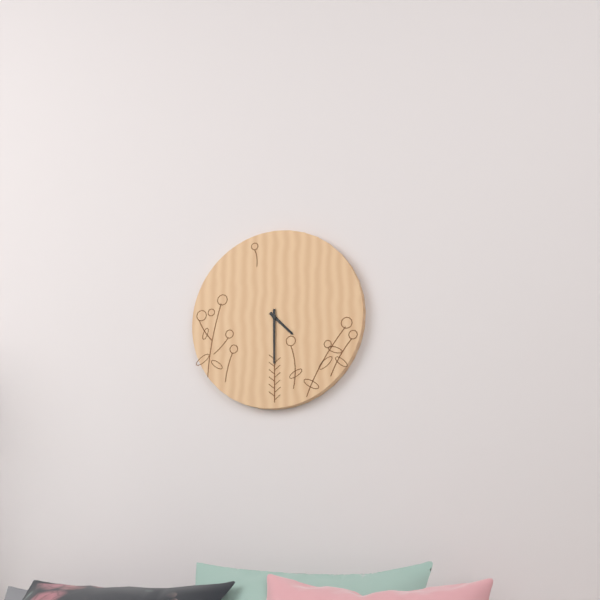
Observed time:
h=4 m=30
